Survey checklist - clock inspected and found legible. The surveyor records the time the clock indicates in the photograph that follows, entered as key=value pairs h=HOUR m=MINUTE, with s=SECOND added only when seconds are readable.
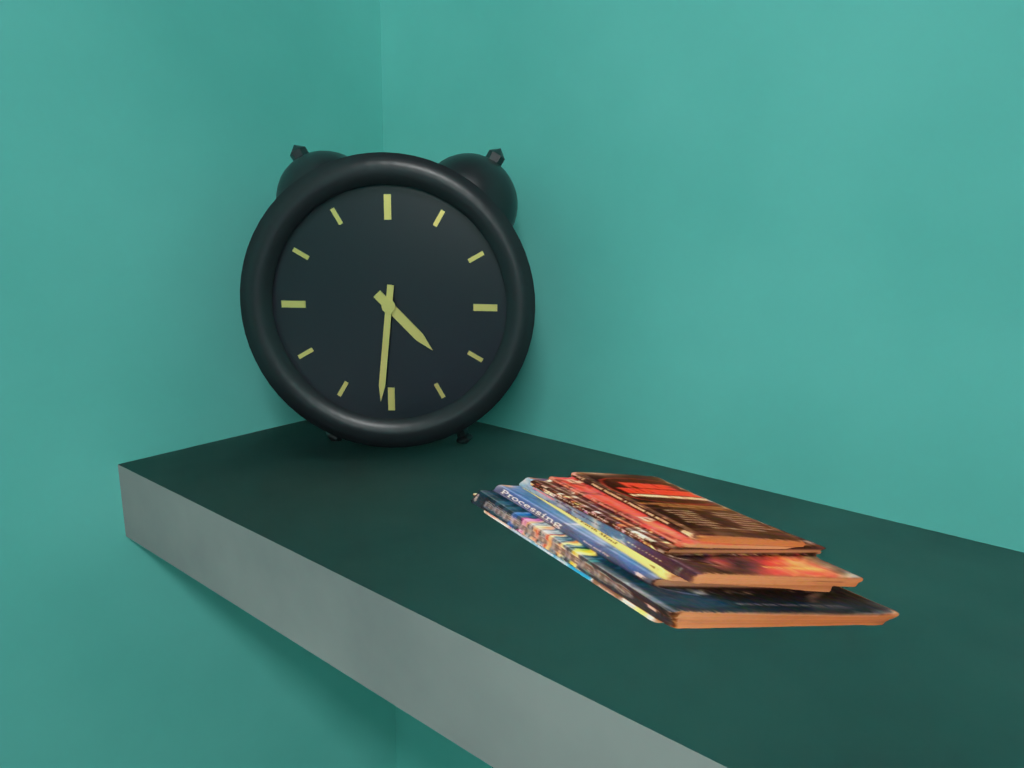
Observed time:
h=4 m=31
